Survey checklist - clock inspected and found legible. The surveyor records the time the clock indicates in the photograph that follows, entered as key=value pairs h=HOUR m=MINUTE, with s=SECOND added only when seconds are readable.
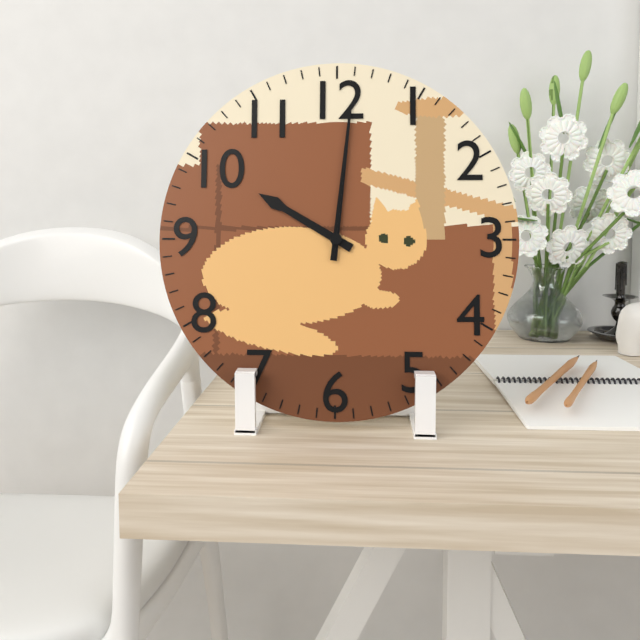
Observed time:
h=10 m=1 s=1
